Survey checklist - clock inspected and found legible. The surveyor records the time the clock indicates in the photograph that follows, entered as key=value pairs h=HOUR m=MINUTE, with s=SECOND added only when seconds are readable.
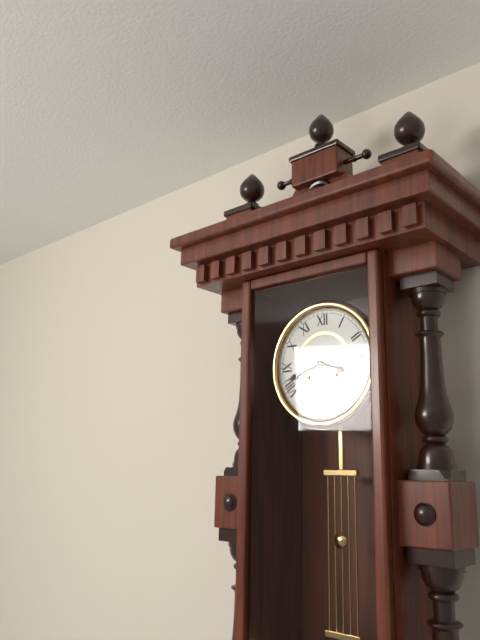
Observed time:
h=3 m=42
